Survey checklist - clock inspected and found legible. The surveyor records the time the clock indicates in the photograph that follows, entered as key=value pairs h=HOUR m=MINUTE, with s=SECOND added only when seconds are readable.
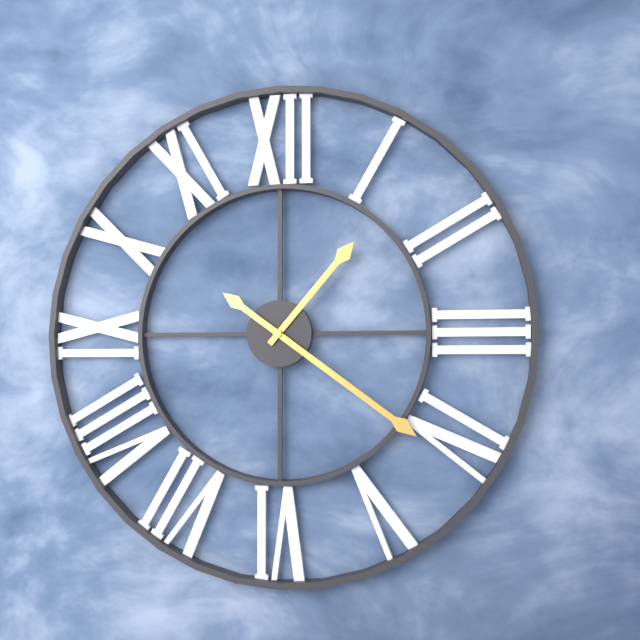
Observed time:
h=1 m=21
